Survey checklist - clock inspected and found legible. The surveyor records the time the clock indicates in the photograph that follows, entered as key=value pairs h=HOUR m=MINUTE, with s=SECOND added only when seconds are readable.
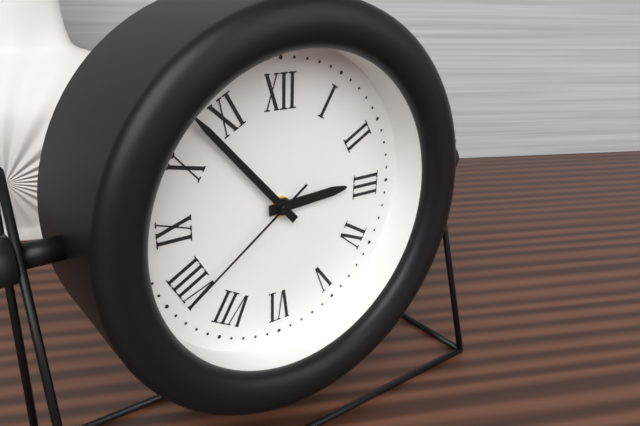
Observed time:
h=2 m=53 s=39
